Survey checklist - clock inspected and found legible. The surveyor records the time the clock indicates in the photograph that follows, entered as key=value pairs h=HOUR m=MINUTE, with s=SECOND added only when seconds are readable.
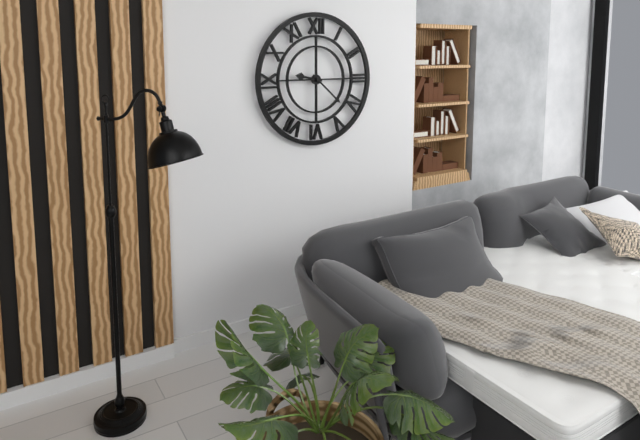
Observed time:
h=9 m=22
